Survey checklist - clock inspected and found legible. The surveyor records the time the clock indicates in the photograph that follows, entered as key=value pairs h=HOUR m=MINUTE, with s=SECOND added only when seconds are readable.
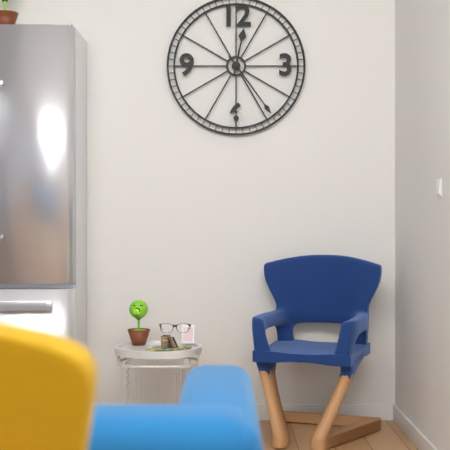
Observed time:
h=12 m=24
